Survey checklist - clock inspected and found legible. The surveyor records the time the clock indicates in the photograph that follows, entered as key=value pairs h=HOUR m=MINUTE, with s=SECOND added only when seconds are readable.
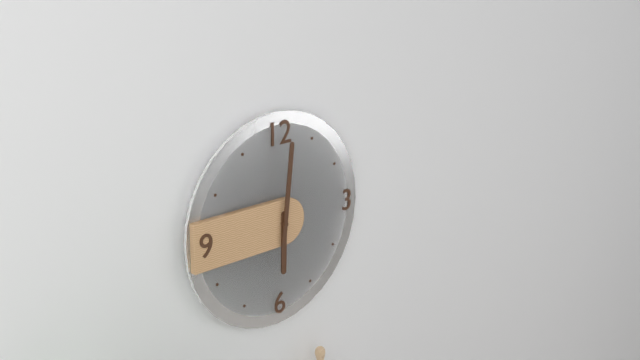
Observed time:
h=6 m=1
